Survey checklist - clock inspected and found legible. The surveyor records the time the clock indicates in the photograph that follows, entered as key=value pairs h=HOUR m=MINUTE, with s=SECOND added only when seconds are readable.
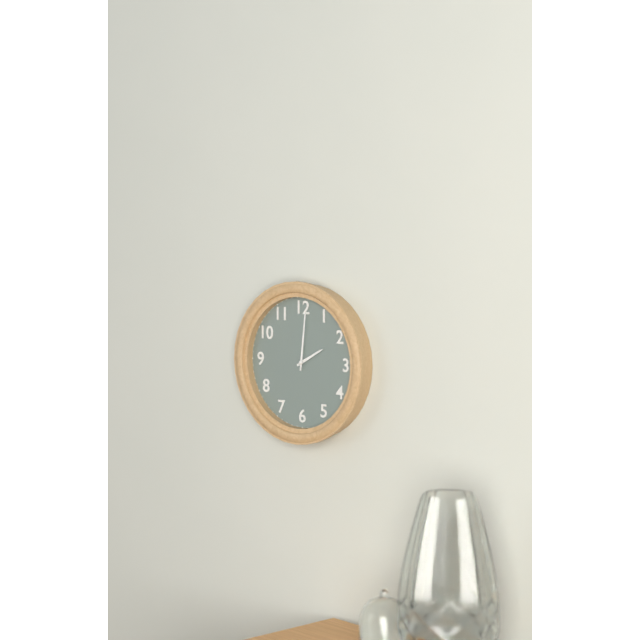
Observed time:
h=2 m=1
